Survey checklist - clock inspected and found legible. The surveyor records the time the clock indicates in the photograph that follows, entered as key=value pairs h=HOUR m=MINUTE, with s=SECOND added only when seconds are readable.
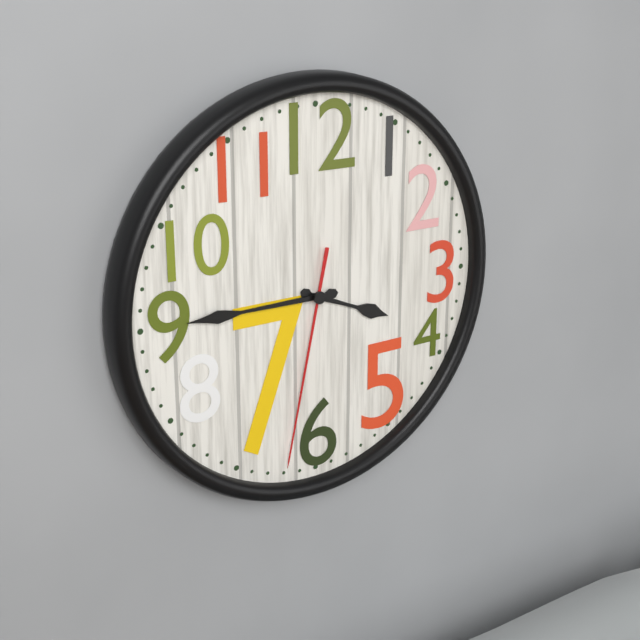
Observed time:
h=3 m=45 s=32
